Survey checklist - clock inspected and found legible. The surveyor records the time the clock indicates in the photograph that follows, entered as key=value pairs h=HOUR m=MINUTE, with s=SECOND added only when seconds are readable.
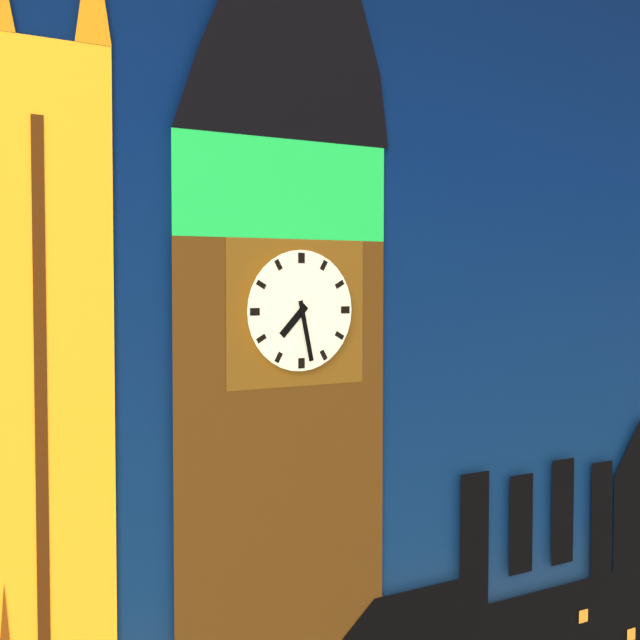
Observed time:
h=7 m=28
